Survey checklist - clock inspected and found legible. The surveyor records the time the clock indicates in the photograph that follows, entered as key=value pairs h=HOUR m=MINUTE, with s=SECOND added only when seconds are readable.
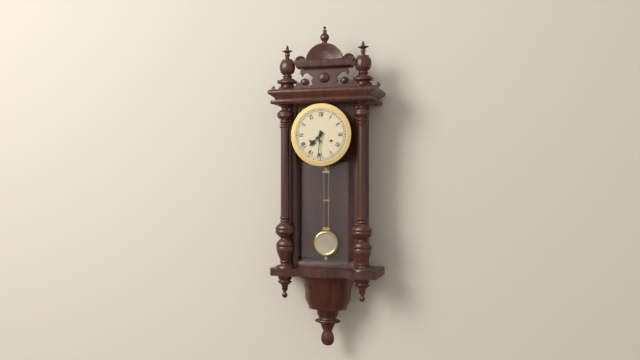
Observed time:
h=7 m=31
